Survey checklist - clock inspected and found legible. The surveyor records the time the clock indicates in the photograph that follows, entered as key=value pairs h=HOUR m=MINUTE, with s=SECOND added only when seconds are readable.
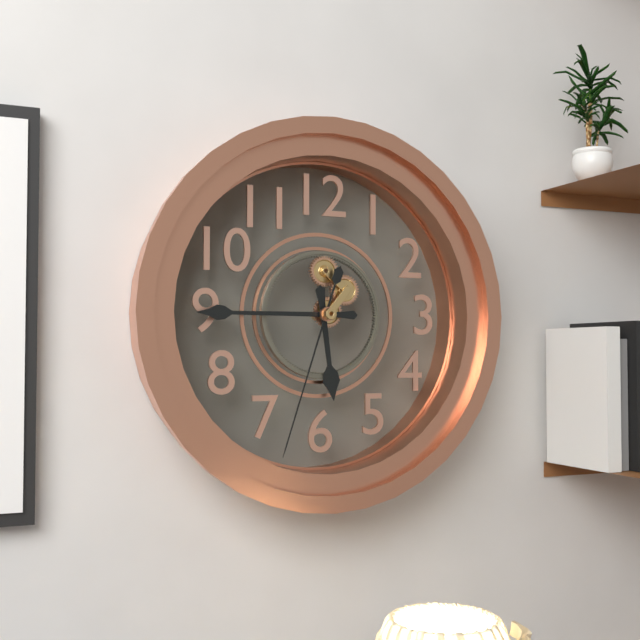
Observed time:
h=5 m=45 s=33
